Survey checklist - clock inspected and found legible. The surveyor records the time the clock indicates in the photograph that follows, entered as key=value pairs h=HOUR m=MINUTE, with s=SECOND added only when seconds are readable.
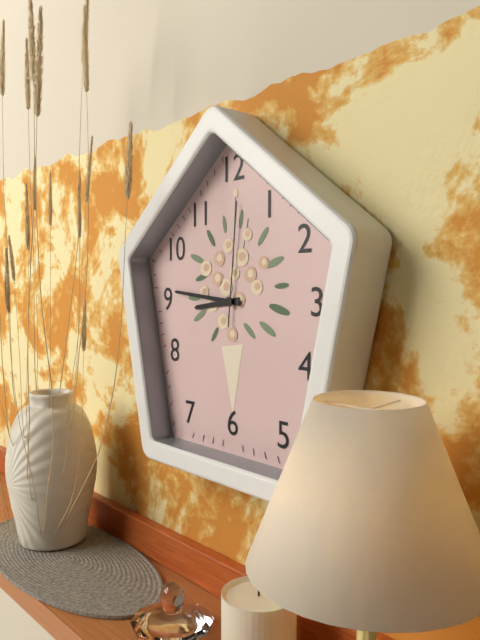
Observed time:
h=8 m=46 s=1
